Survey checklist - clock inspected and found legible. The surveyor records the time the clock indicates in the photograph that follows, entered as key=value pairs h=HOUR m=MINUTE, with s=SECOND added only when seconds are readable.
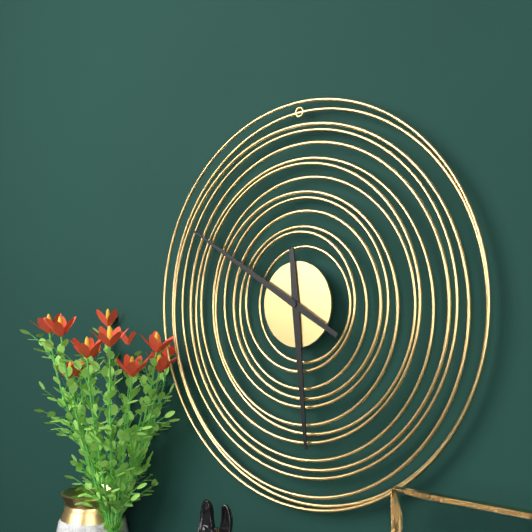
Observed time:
h=5 m=50
